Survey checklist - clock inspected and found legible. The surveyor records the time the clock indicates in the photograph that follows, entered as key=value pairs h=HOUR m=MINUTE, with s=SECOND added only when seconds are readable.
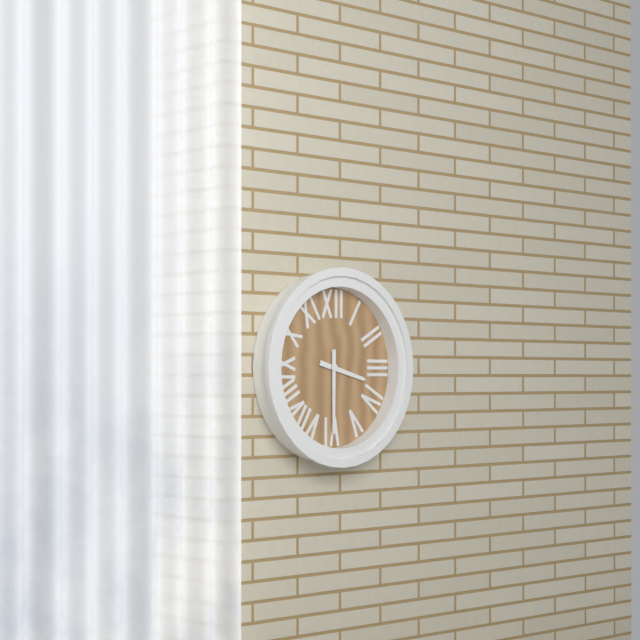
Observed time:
h=3 m=30
